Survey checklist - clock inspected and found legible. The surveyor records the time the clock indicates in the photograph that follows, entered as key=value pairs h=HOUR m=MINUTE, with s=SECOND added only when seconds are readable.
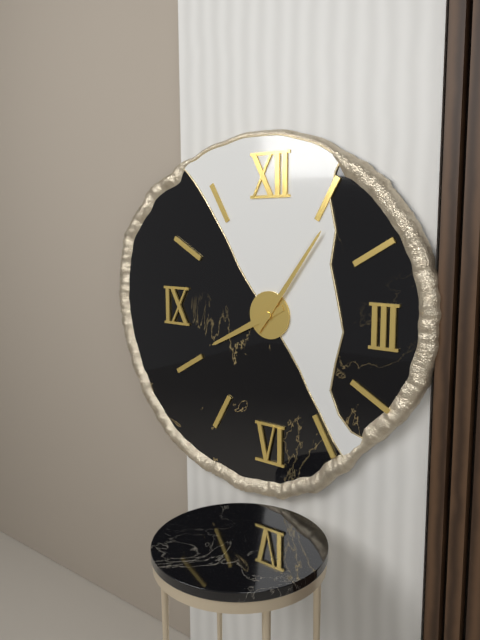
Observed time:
h=8 m=6
